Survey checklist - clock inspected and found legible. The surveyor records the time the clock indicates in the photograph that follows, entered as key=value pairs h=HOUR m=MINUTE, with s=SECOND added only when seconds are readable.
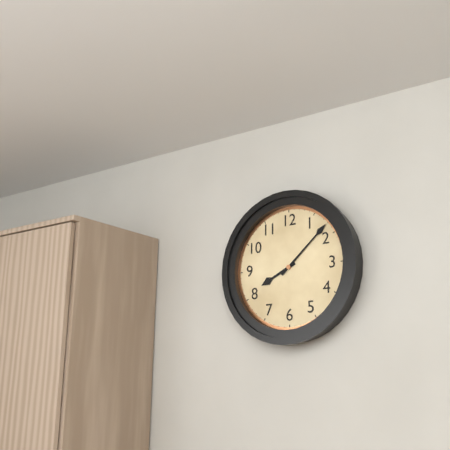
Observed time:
h=8 m=8
